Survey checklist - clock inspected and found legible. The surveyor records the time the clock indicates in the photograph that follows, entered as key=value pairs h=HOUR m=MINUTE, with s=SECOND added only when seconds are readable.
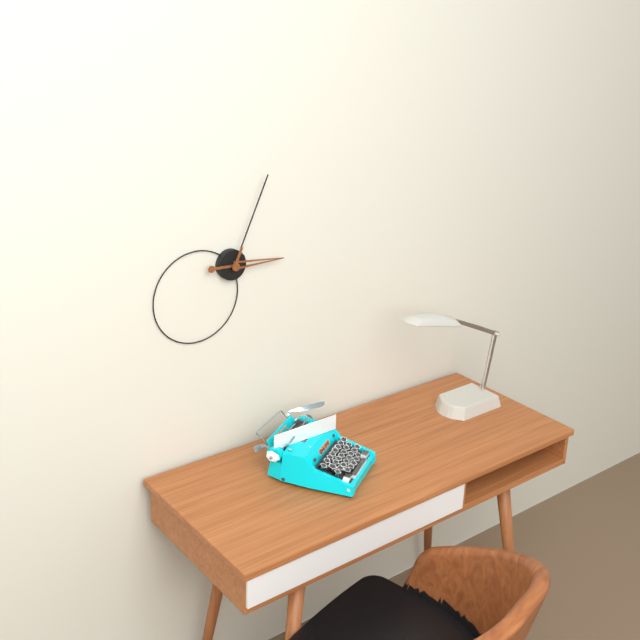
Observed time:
h=3 m=4
